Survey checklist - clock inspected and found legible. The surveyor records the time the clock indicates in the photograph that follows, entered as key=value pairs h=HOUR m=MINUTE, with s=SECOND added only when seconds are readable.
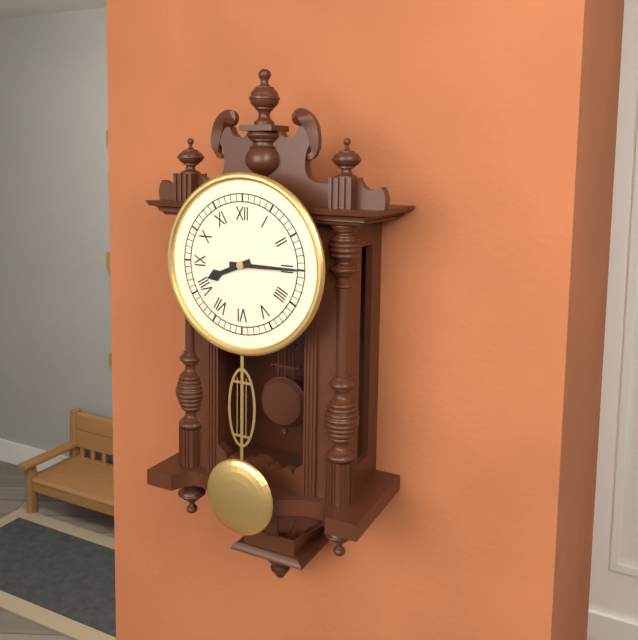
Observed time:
h=8 m=15
